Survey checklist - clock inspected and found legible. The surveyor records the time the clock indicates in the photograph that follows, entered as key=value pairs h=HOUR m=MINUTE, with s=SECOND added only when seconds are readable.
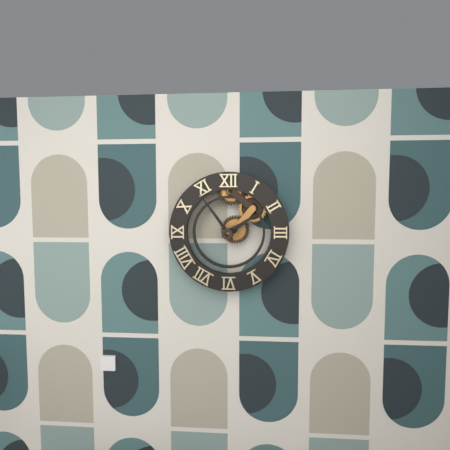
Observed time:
h=1 m=54
